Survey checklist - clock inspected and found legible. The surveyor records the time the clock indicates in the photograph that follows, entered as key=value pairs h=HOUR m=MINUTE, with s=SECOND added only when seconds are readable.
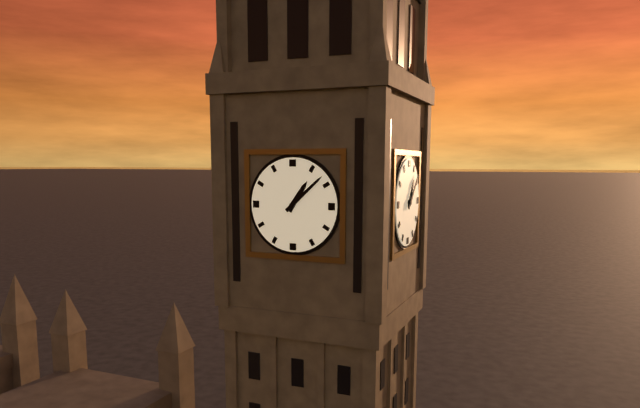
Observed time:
h=1 m=8
